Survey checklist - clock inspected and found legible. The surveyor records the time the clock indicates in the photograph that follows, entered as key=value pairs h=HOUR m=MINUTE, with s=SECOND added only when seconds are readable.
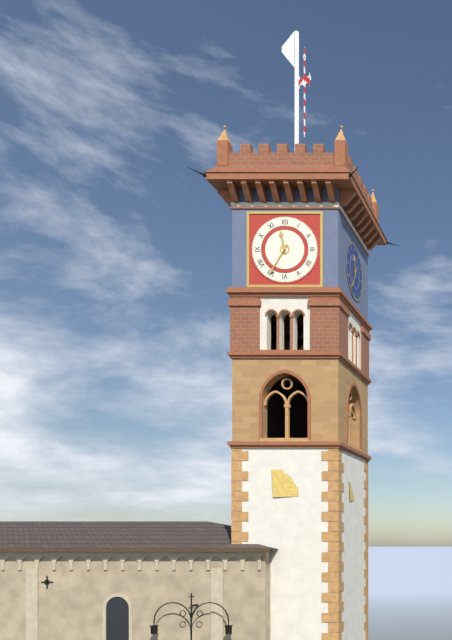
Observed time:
h=11 m=35
